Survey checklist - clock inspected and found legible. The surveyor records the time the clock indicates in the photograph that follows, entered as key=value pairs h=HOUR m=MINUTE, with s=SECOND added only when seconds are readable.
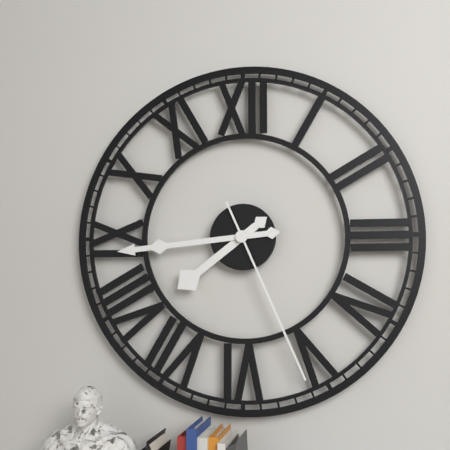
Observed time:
h=7 m=44 s=26
